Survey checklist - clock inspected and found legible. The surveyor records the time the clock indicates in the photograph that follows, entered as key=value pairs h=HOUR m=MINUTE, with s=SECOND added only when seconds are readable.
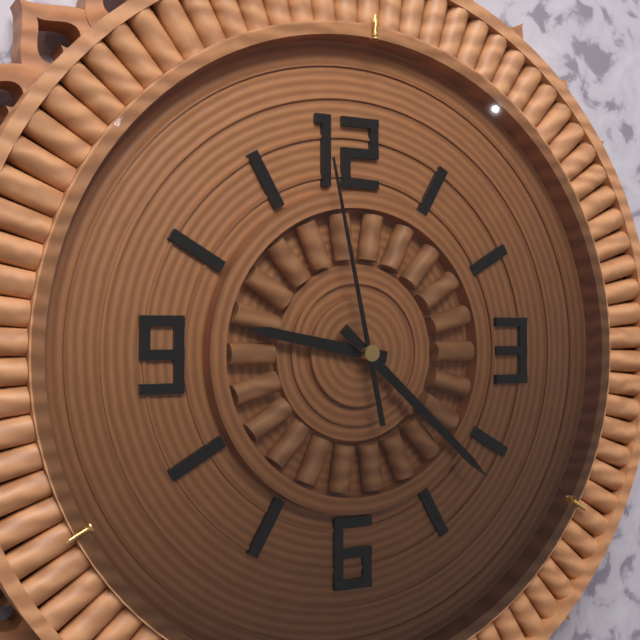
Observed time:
h=9 m=22 s=58
